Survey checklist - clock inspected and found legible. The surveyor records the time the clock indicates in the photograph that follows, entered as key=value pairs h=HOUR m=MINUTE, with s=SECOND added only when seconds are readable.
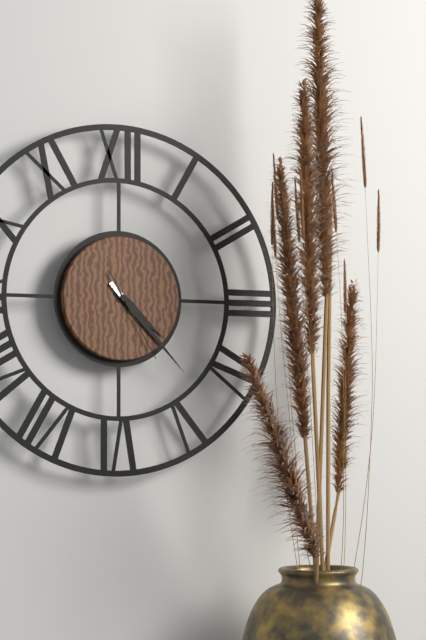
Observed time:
h=4 m=23 s=25
